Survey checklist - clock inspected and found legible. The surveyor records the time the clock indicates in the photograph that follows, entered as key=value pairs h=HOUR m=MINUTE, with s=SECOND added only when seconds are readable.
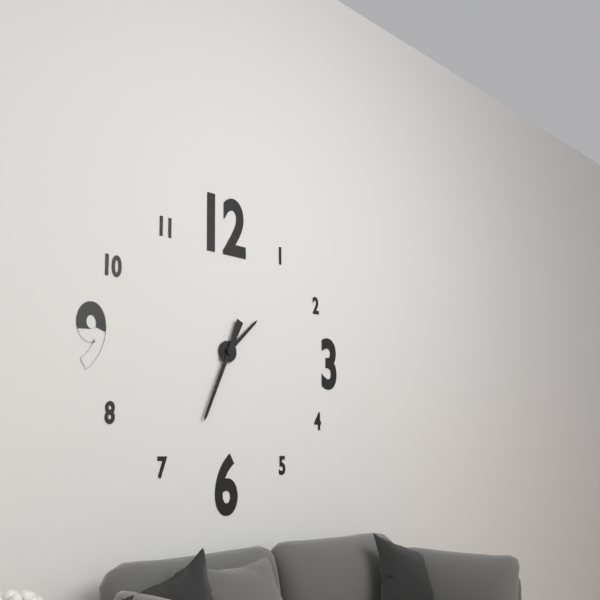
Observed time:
h=1 m=34
